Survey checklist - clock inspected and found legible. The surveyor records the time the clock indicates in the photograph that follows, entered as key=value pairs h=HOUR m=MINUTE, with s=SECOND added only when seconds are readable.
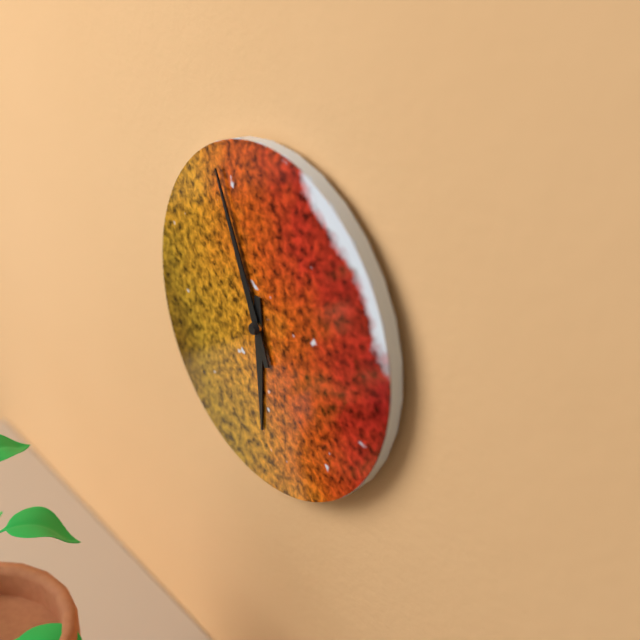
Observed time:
h=5 m=56
